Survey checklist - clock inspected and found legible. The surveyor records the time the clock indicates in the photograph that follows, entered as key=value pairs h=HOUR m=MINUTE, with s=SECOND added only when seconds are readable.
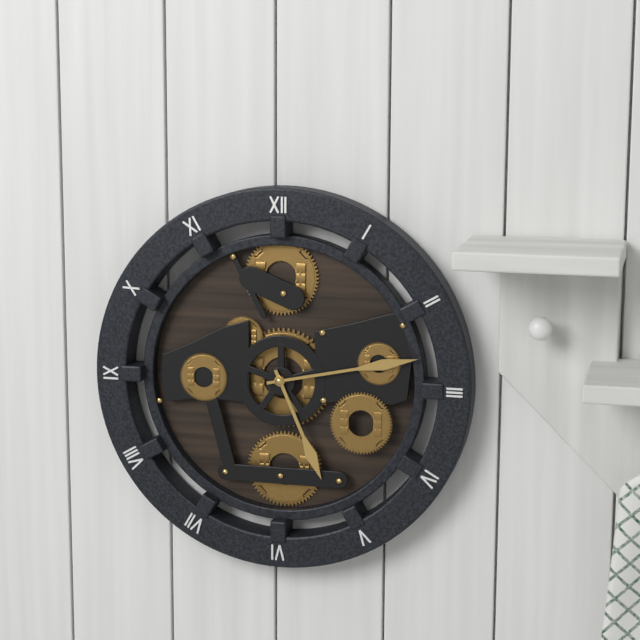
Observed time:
h=5 m=13
